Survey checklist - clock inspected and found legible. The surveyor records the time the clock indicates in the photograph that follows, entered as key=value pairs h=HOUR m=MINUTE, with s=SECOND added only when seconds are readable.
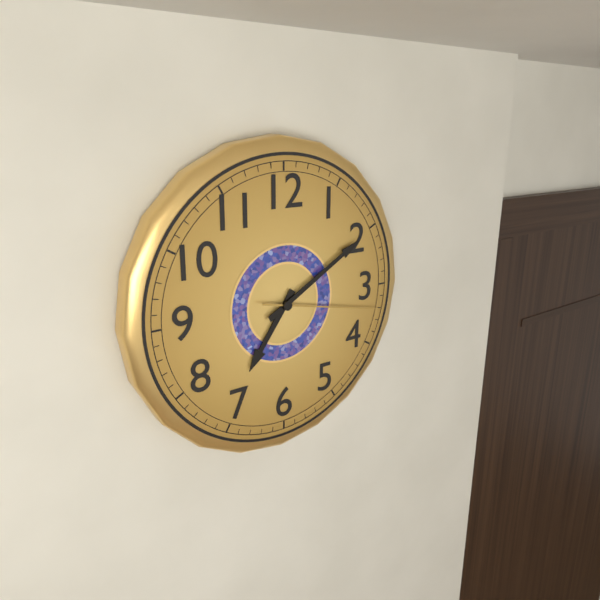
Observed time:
h=7 m=10 s=17
